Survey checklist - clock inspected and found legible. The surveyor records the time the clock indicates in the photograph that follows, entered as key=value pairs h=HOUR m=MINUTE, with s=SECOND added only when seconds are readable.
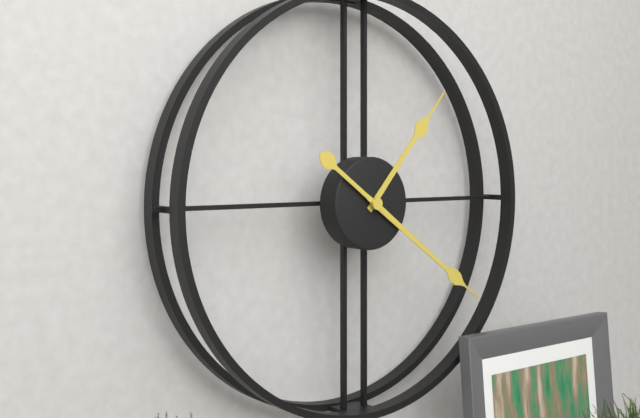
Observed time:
h=1 m=21
